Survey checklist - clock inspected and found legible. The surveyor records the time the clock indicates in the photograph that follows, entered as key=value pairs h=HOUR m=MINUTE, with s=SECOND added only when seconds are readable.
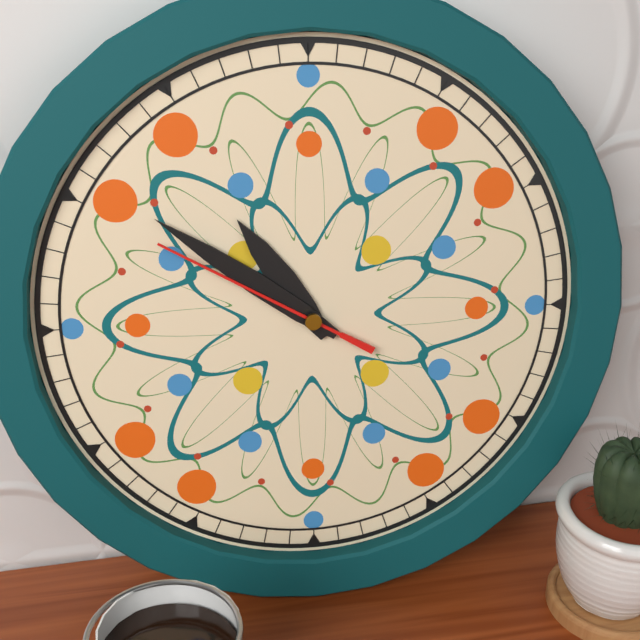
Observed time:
h=10 m=51 s=50
